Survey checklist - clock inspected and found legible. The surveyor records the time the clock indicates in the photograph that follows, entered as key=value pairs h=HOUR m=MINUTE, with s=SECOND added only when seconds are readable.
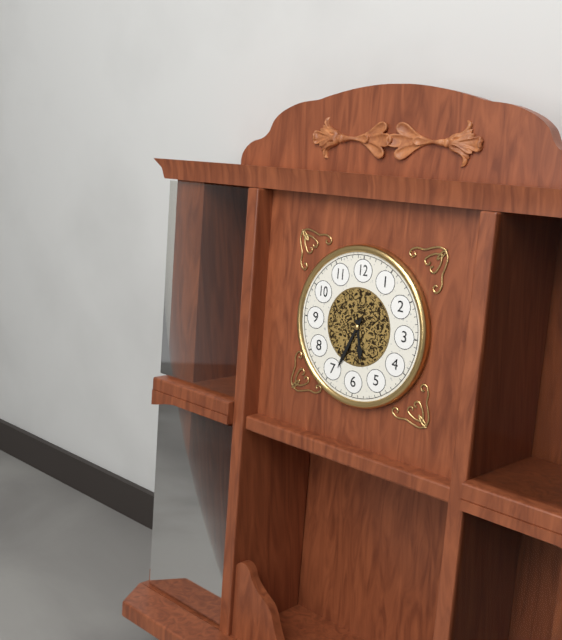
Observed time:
h=5 m=34
